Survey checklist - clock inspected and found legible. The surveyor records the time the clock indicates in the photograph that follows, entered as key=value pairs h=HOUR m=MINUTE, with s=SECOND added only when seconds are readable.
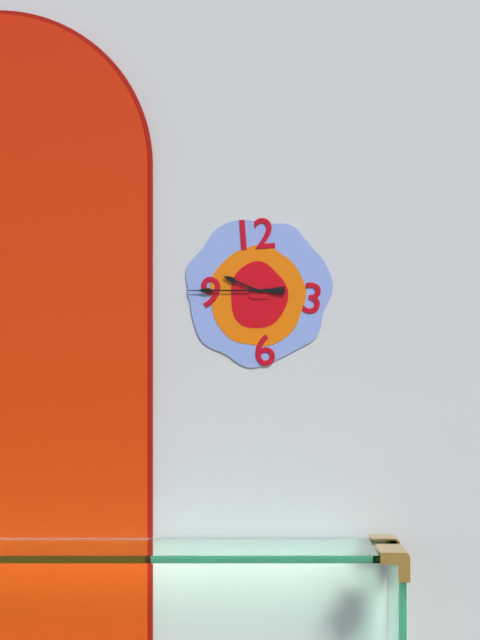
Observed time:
h=9 m=45
